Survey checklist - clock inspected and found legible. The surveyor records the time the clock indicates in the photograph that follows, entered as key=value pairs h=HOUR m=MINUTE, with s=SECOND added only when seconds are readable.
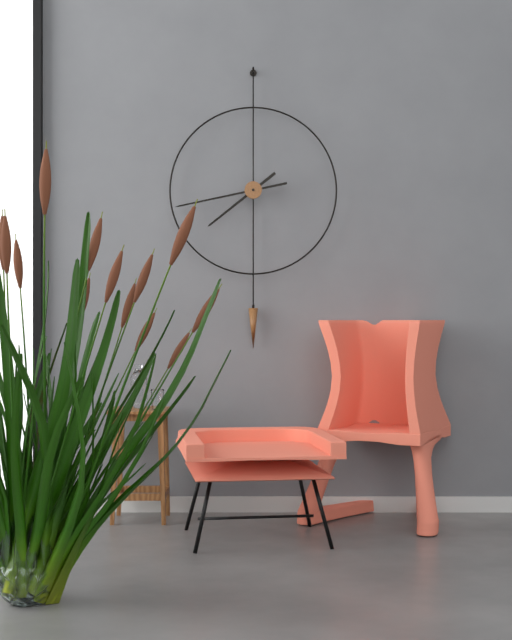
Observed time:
h=7 m=43
